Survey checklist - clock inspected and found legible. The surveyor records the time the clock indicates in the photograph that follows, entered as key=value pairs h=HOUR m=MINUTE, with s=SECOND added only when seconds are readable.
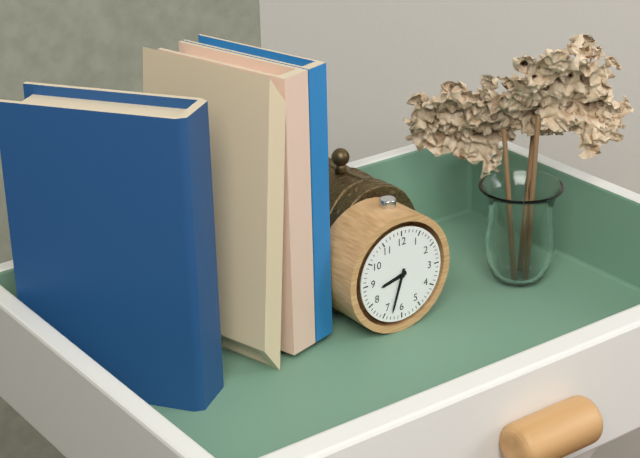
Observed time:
h=8 m=33
